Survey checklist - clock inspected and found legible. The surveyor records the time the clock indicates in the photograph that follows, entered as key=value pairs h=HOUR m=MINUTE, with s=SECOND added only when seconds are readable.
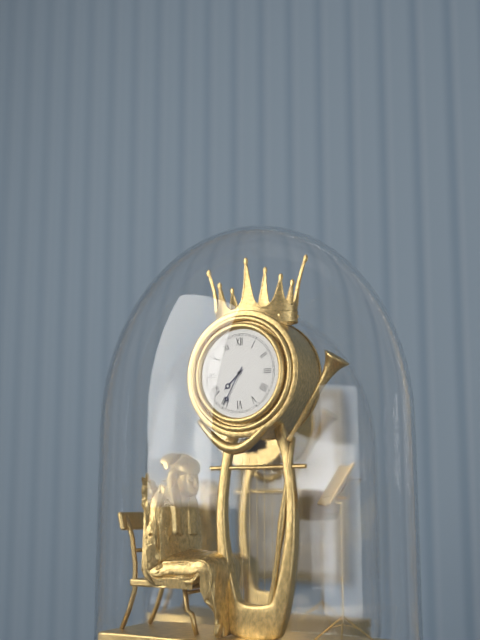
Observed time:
h=7 m=35
